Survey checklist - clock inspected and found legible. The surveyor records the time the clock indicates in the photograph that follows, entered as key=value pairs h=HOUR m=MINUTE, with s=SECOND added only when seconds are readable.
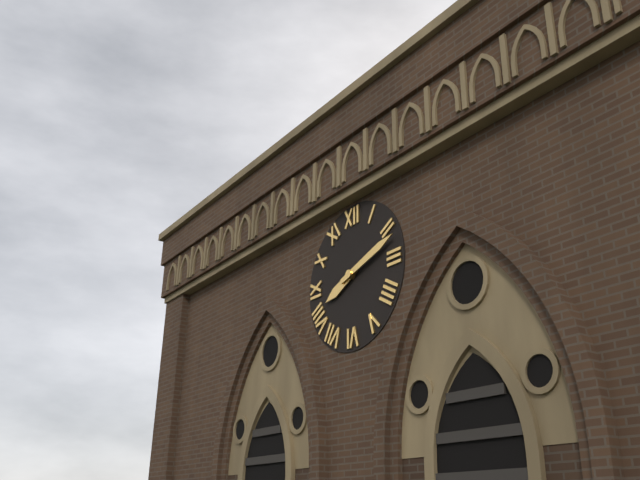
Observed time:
h=8 m=12
